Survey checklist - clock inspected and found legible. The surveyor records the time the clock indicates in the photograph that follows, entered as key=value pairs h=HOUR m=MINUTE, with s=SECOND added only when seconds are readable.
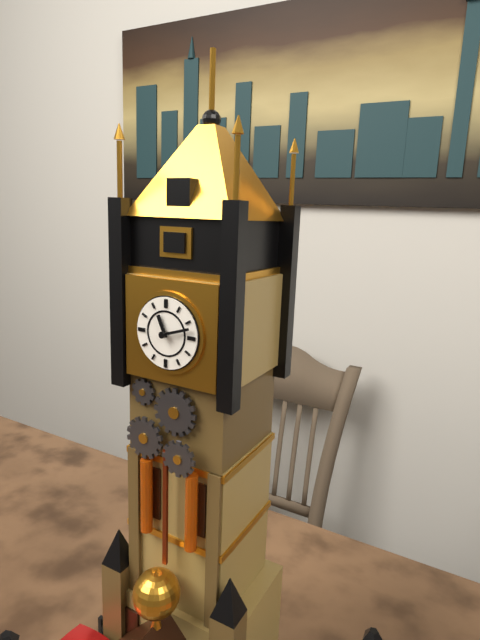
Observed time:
h=11 m=12
